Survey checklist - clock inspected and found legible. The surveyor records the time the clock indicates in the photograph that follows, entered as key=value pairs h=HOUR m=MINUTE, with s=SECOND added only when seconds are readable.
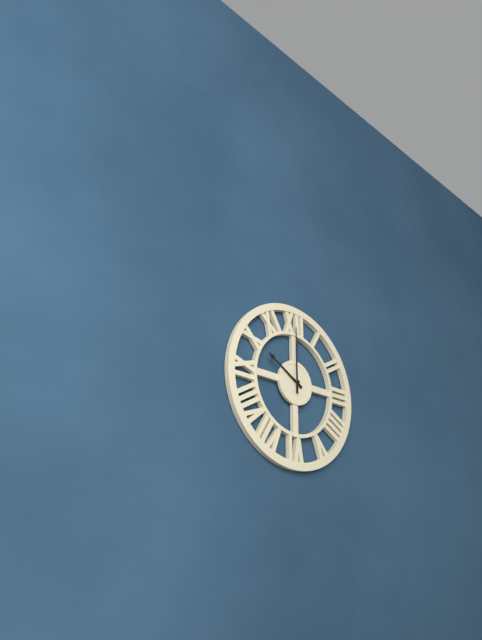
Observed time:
h=10 m=0
